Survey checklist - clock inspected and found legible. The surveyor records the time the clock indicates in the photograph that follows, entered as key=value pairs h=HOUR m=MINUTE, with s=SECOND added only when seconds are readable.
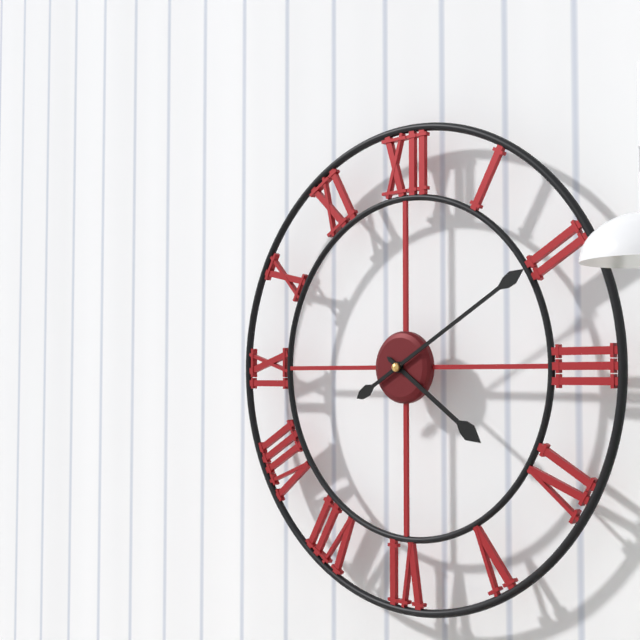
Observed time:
h=4 m=10
